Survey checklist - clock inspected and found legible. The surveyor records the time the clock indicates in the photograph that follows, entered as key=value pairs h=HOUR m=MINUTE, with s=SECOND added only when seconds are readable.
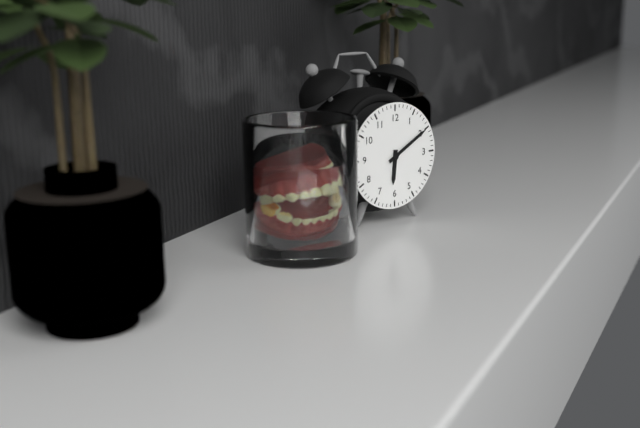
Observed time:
h=6 m=10
